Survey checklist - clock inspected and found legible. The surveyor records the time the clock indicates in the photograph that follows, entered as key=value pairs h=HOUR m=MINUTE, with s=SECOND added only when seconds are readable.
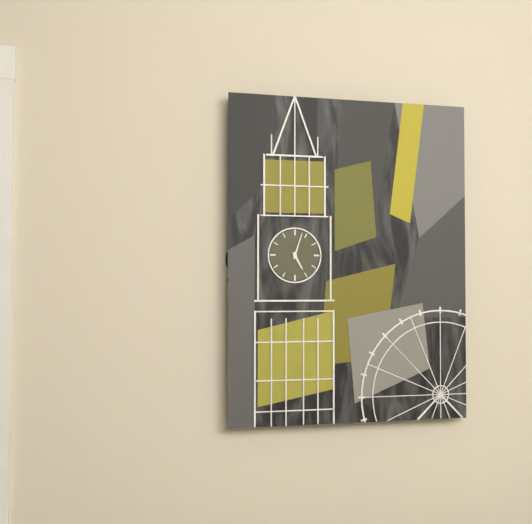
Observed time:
h=5 m=3
